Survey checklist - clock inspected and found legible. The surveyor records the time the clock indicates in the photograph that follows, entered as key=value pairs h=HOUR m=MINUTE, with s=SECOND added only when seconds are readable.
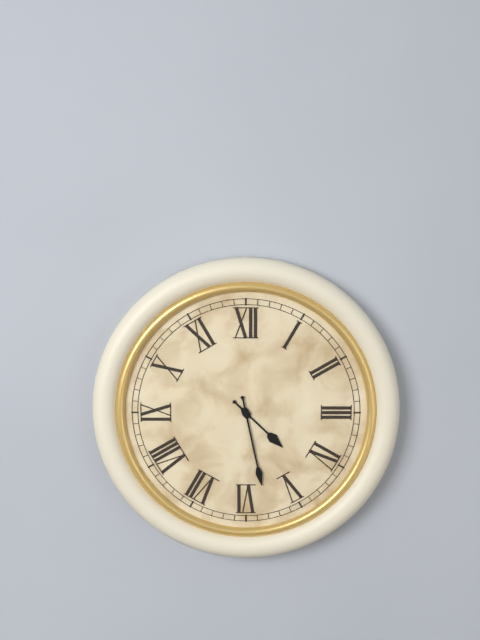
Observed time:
h=4 m=28
